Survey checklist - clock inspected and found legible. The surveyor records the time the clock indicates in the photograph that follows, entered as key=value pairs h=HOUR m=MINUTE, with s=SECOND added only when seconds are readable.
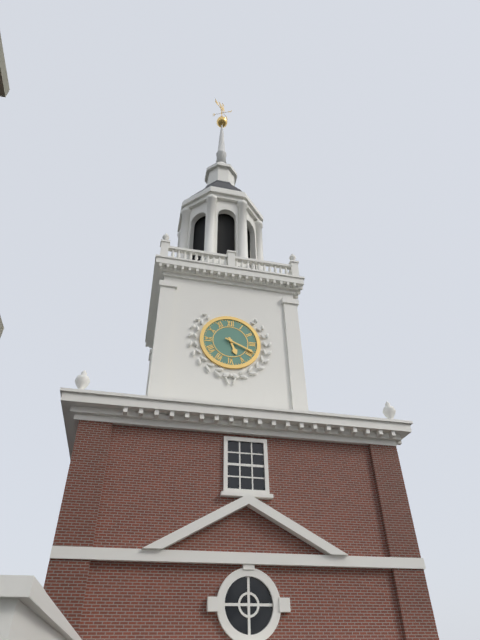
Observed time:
h=5 m=19
